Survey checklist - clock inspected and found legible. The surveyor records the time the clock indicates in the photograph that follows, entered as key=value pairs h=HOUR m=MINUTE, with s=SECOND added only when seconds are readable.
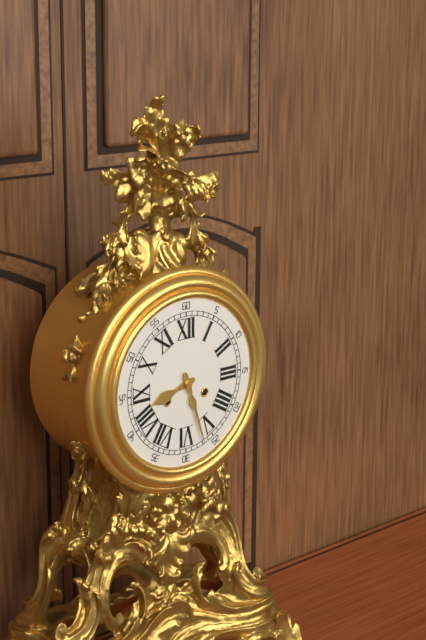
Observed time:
h=8 m=27
